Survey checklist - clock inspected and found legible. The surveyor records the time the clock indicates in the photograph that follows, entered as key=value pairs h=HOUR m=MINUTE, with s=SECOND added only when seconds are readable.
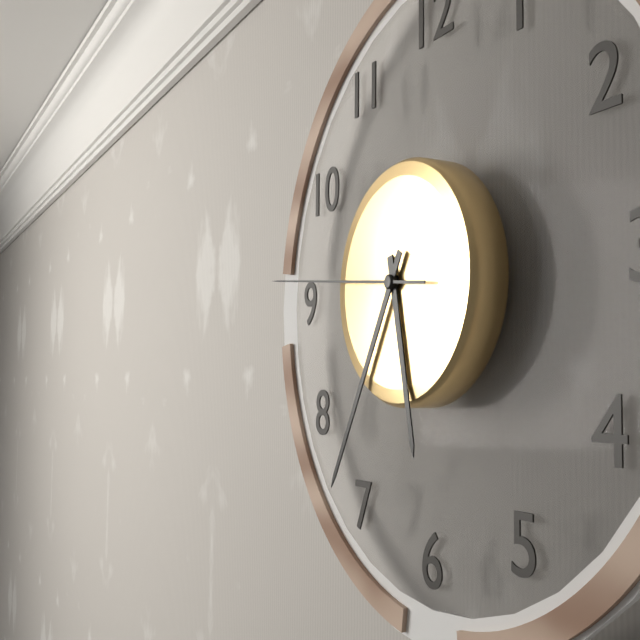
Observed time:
h=5 m=35 s=46
